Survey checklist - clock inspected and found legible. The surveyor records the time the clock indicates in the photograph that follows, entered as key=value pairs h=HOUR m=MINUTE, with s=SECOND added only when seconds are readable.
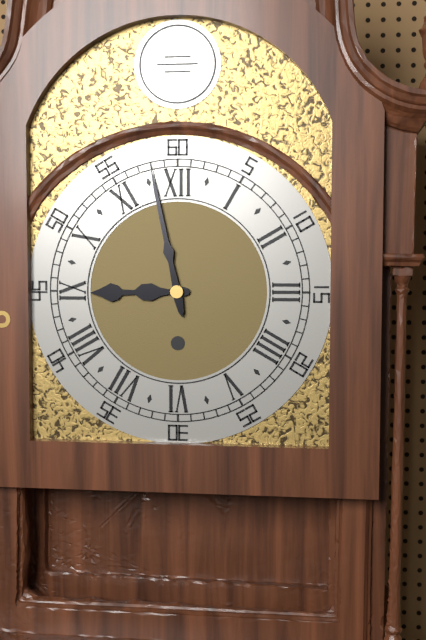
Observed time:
h=8 m=58
